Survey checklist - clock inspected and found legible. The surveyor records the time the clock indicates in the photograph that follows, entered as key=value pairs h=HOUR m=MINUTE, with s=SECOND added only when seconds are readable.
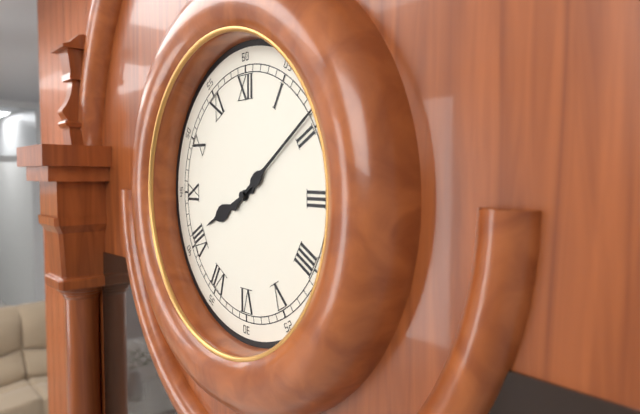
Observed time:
h=8 m=9
